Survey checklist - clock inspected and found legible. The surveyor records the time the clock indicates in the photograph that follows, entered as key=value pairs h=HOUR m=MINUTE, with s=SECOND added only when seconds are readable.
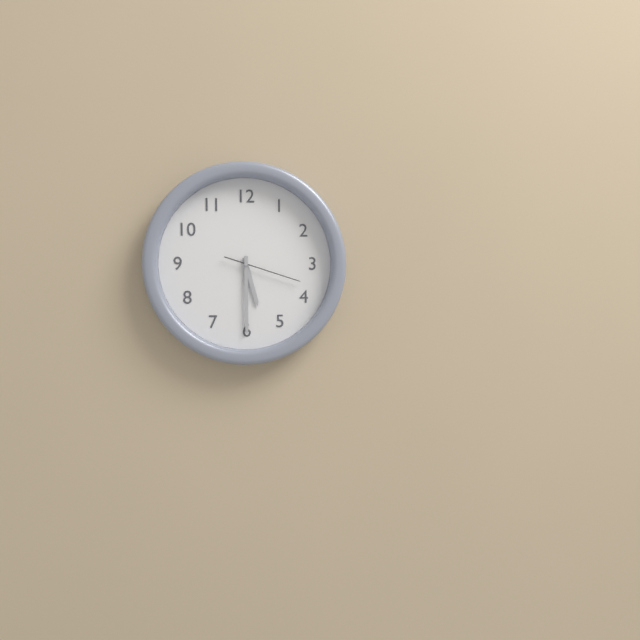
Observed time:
h=5 m=30 s=18
